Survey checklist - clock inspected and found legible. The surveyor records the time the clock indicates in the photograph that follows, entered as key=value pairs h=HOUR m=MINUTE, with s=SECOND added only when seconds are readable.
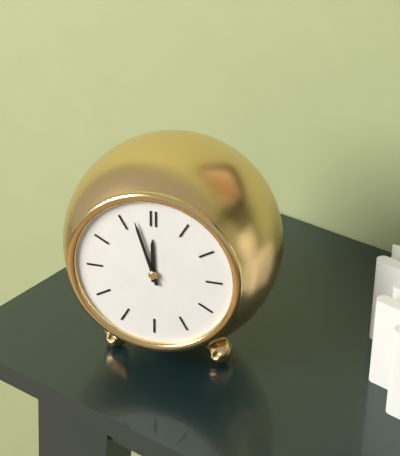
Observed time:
h=11 m=57
